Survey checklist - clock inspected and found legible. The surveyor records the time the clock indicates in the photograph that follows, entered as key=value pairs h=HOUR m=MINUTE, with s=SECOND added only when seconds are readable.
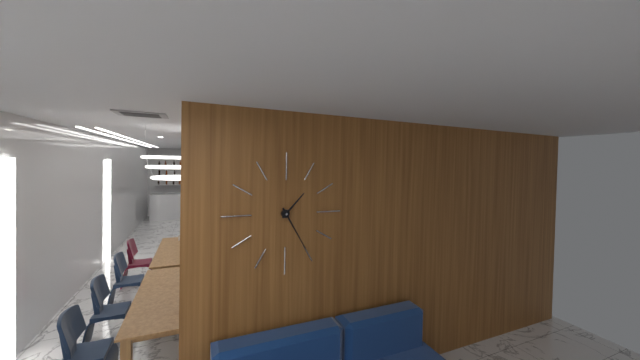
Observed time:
h=1 m=25
